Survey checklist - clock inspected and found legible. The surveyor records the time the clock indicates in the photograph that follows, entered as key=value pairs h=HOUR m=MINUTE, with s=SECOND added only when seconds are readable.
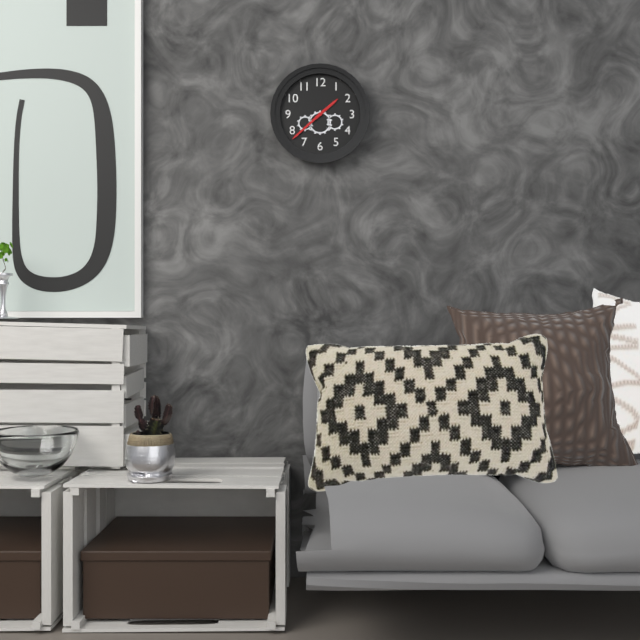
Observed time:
h=1 m=38
